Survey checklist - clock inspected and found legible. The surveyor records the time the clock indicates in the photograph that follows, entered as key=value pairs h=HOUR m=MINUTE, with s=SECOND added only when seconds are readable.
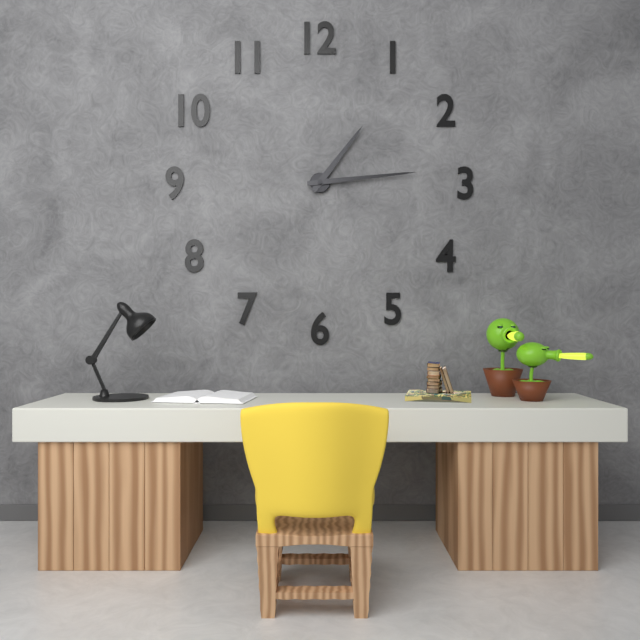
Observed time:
h=1 m=14
